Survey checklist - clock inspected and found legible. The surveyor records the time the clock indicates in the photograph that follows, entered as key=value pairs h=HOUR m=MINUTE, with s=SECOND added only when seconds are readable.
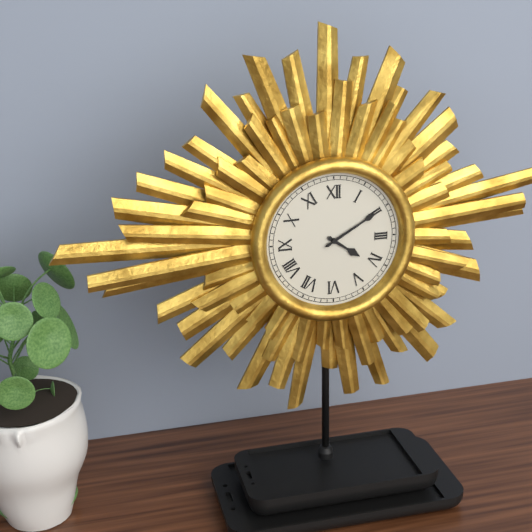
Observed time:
h=4 m=10
